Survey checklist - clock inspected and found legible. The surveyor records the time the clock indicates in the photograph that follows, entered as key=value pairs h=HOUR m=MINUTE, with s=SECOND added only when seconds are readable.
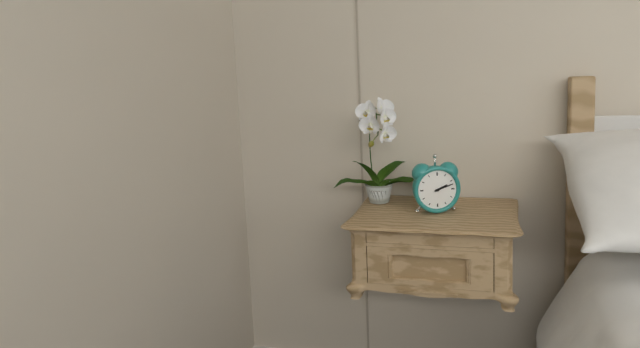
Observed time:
h=2 m=12
